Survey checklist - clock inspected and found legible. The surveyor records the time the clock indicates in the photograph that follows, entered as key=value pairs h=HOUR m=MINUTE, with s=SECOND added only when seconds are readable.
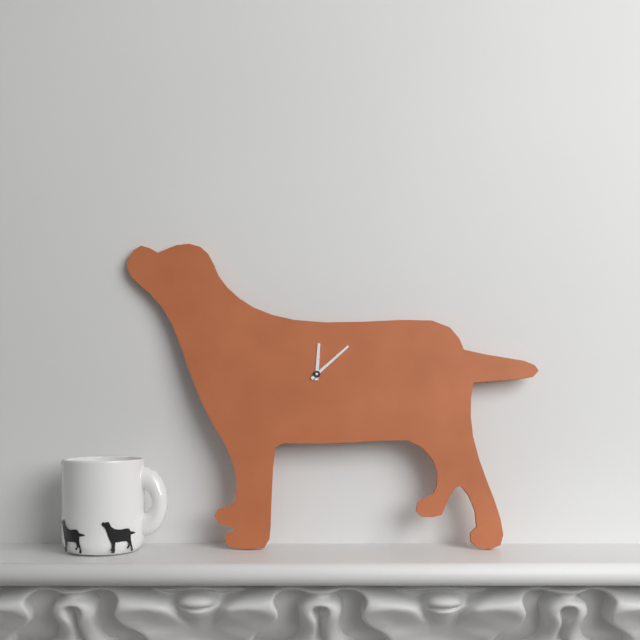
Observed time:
h=12 m=8
